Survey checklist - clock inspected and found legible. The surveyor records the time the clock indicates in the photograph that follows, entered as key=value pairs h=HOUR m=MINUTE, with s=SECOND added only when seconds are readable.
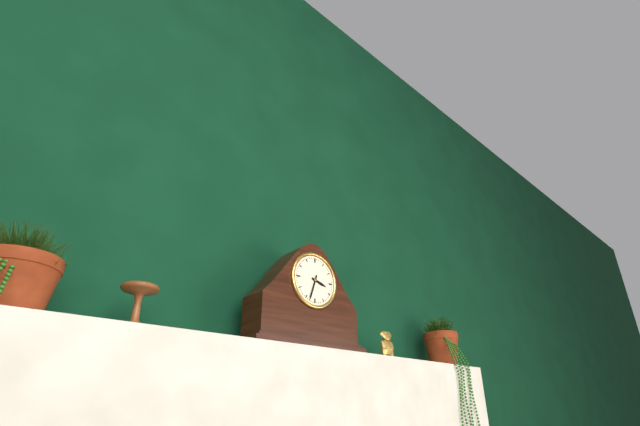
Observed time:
h=3 m=33
